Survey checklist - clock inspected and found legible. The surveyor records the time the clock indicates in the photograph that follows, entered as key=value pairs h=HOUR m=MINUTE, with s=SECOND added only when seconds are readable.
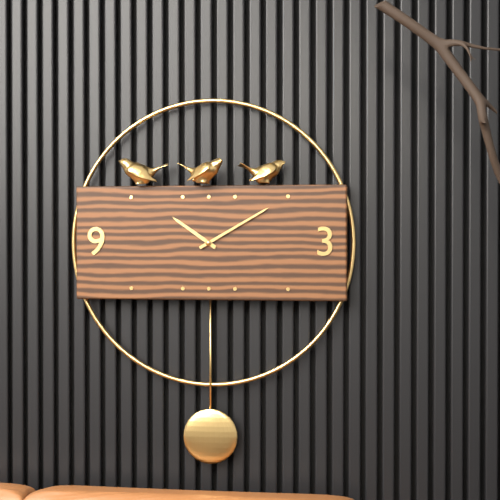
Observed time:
h=10 m=10
